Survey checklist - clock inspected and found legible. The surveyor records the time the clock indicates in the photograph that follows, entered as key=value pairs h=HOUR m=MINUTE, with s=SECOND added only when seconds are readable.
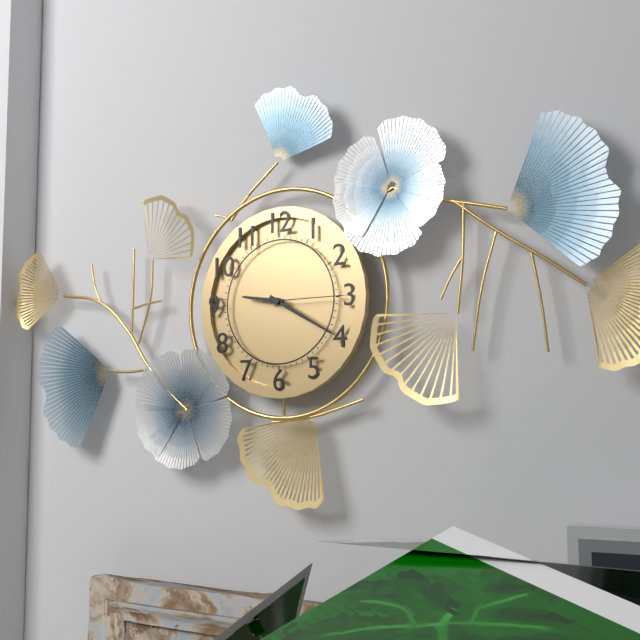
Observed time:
h=9 m=20 s=15
